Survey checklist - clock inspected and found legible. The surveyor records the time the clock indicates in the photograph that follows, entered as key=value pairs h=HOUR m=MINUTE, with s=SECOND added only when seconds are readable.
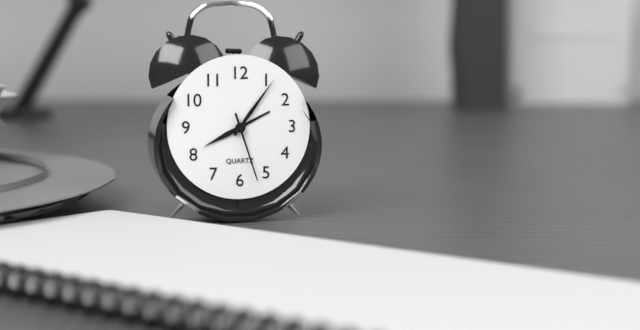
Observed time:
h=8 m=6 s=27
